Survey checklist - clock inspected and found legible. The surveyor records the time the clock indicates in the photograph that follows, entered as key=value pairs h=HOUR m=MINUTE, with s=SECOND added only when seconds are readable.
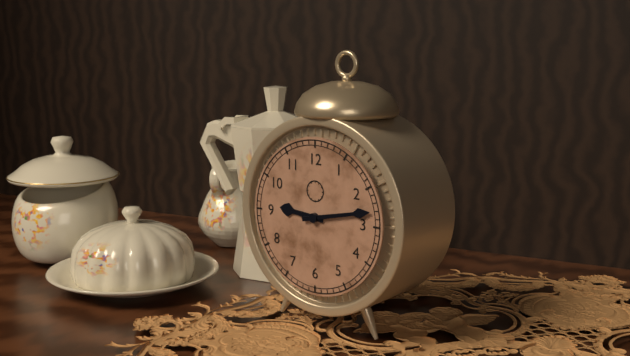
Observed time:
h=9 m=13
